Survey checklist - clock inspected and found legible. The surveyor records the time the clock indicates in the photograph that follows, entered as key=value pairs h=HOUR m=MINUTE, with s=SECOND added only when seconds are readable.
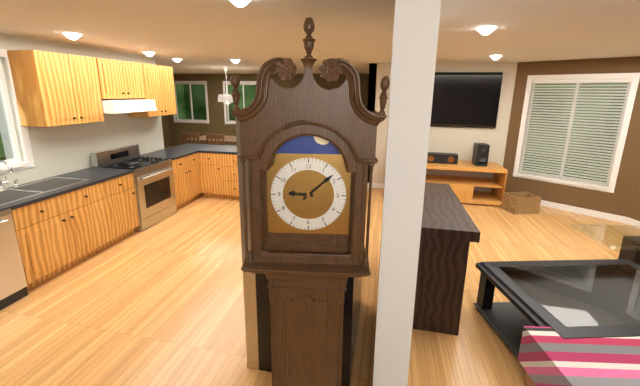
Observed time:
h=9 m=8
